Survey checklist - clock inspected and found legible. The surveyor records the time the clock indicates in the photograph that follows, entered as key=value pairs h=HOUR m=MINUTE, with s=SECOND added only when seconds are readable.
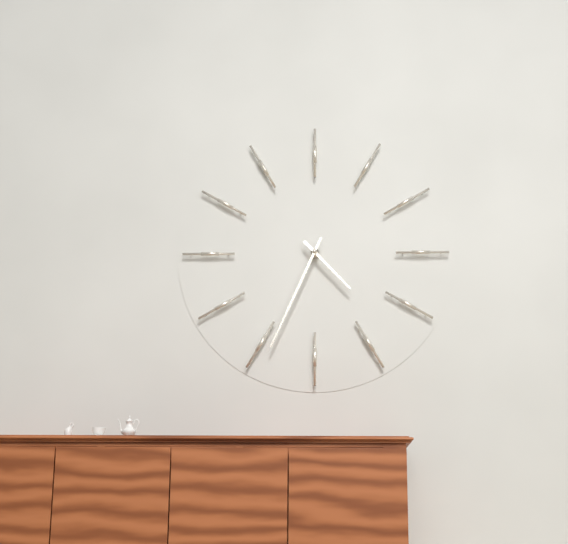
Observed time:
h=4 m=34
